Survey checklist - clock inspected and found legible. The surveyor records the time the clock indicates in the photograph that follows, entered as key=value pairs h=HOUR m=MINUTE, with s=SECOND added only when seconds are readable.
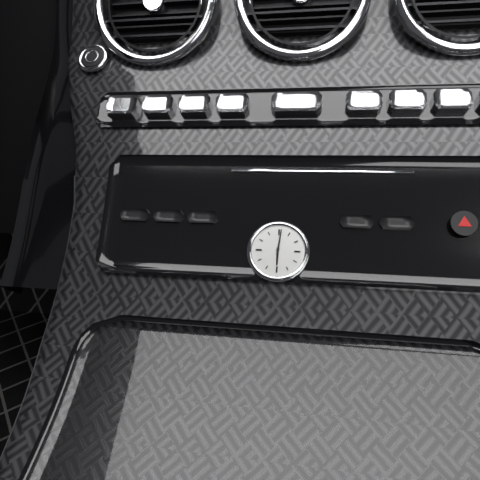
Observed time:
h=6 m=1
